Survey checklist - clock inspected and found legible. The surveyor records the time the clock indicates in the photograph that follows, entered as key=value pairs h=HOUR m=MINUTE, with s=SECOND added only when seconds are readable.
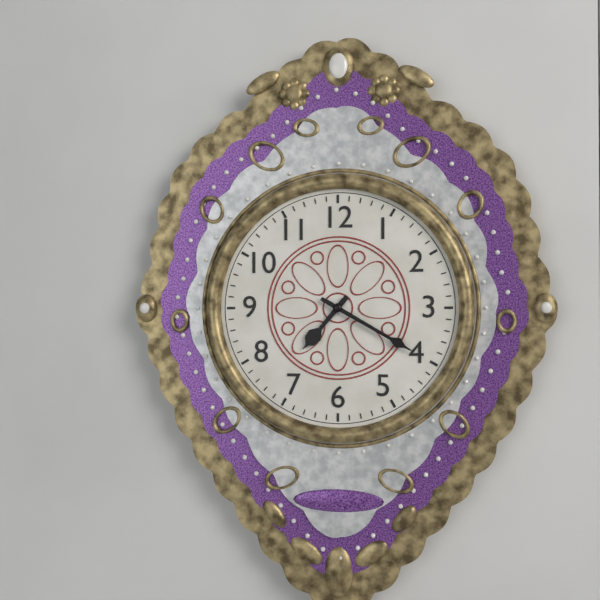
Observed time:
h=7 m=20
